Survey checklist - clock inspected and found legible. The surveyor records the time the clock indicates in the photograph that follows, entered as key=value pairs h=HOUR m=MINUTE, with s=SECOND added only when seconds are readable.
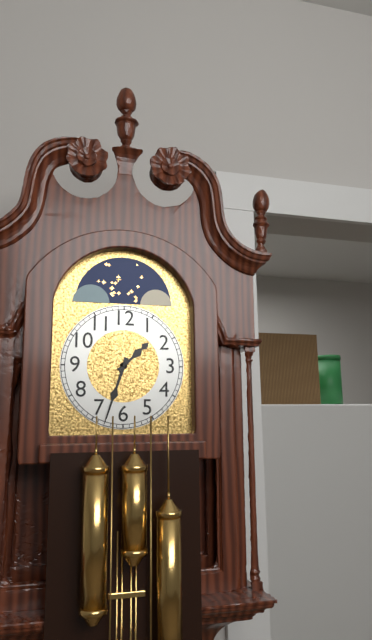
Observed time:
h=1 m=33
